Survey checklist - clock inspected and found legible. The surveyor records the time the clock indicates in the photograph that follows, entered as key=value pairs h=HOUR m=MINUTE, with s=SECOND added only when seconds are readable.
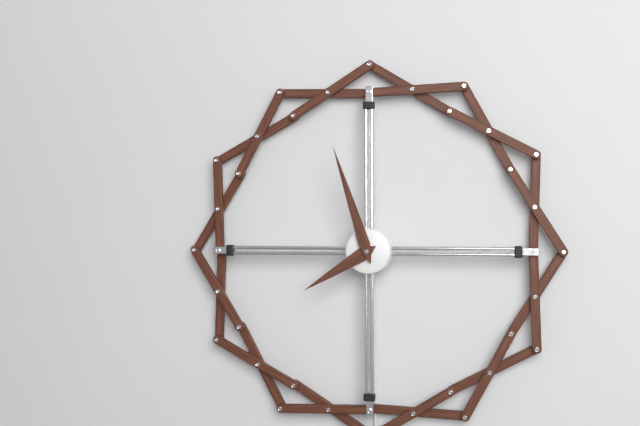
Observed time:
h=7 m=57
